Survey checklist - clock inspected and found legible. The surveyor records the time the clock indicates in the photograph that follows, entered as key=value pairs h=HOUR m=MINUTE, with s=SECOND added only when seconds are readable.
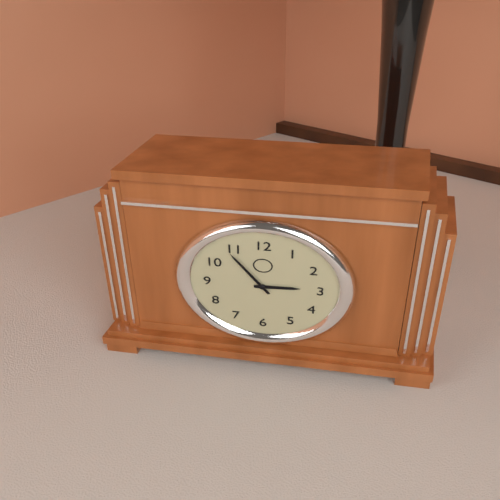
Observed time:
h=2 m=54
